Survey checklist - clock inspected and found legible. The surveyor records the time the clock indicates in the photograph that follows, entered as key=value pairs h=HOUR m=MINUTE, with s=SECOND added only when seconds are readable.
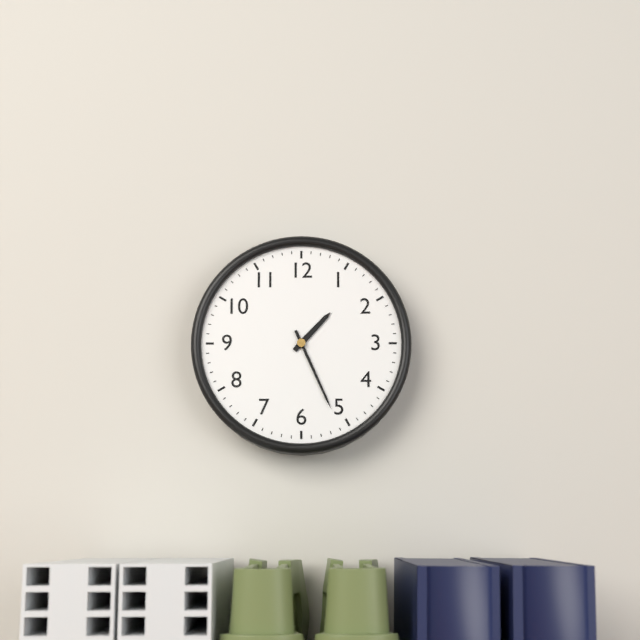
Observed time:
h=1 m=26
